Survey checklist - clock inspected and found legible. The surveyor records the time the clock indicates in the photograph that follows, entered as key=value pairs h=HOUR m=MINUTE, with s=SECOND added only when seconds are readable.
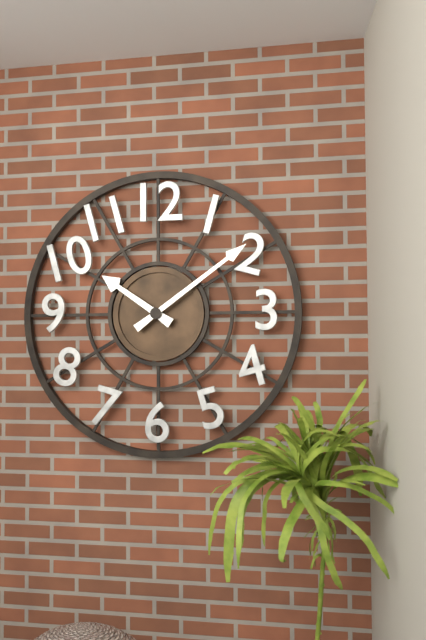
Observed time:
h=10 m=9
